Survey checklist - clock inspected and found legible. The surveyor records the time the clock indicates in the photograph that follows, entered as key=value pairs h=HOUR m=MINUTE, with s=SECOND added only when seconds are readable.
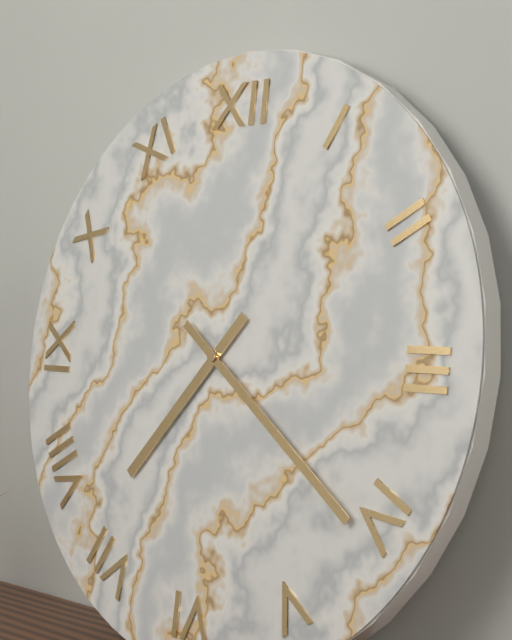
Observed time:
h=7 m=21
